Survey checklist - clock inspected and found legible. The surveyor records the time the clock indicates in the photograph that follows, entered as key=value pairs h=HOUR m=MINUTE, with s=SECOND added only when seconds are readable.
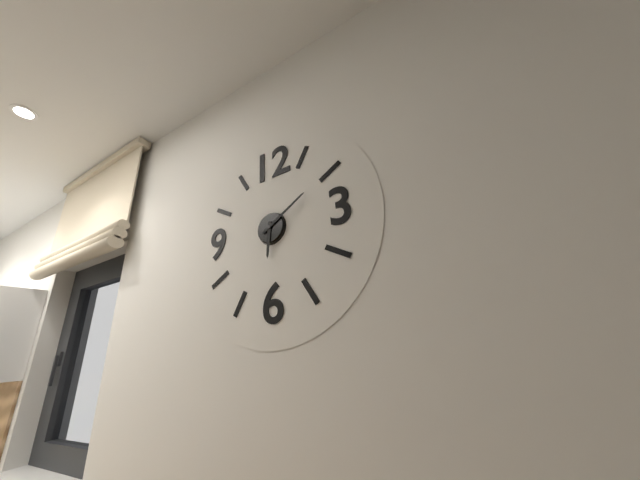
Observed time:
h=6 m=10
